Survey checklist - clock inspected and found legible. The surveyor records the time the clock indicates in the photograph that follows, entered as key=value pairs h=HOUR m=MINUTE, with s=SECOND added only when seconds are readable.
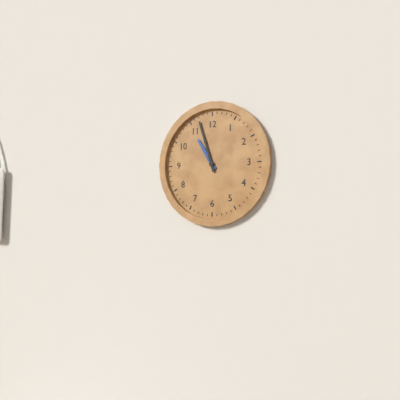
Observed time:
h=10 m=57
